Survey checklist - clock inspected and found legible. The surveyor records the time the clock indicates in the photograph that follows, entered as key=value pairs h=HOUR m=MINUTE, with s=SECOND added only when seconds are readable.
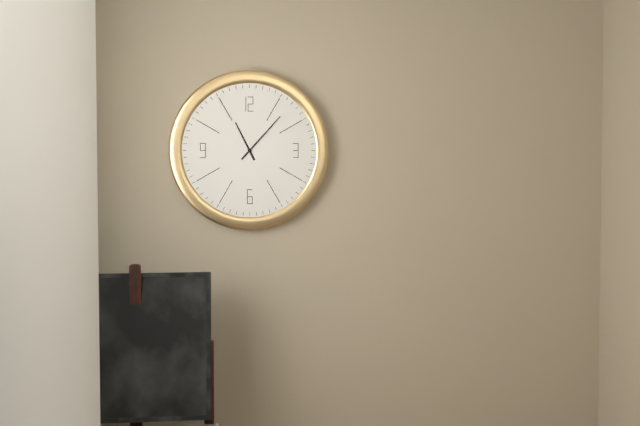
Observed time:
h=11 m=7
